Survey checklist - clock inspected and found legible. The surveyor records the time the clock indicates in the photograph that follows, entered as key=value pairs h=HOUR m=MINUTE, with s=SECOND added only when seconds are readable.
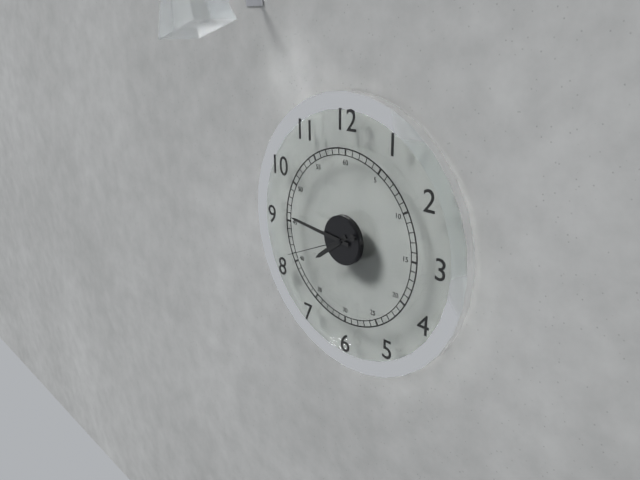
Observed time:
h=7 m=46 s=41
